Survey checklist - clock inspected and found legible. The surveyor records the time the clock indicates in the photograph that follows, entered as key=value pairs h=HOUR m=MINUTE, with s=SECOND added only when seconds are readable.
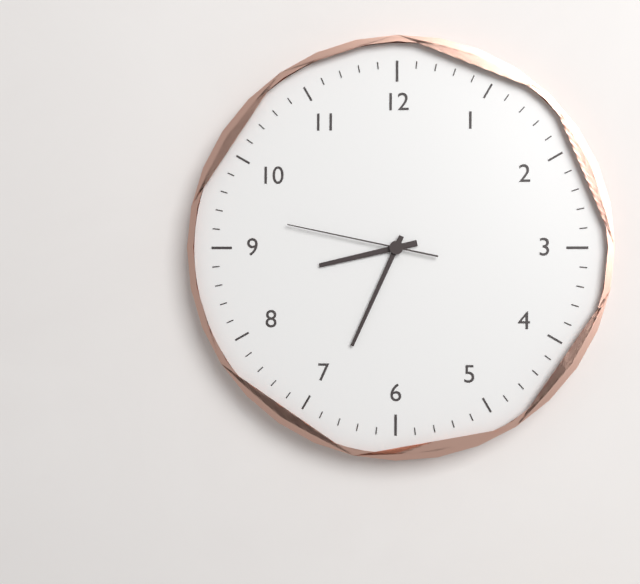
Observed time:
h=8 m=34 s=47
